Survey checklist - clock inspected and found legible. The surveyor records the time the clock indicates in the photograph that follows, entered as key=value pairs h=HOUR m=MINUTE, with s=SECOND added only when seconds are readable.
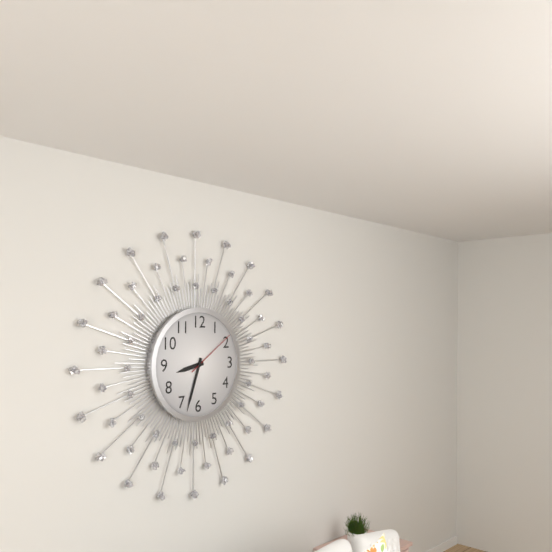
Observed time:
h=8 m=33 s=9
